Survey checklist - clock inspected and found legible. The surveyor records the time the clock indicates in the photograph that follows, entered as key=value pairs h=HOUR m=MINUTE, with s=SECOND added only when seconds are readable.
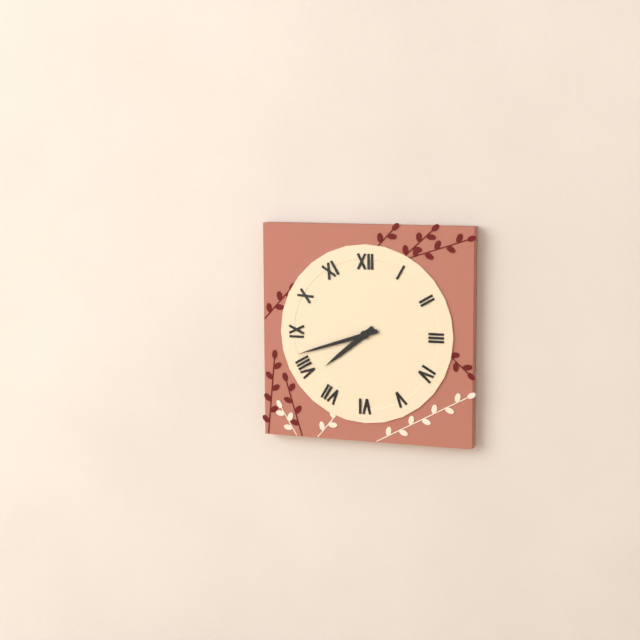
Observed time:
h=7 m=42
